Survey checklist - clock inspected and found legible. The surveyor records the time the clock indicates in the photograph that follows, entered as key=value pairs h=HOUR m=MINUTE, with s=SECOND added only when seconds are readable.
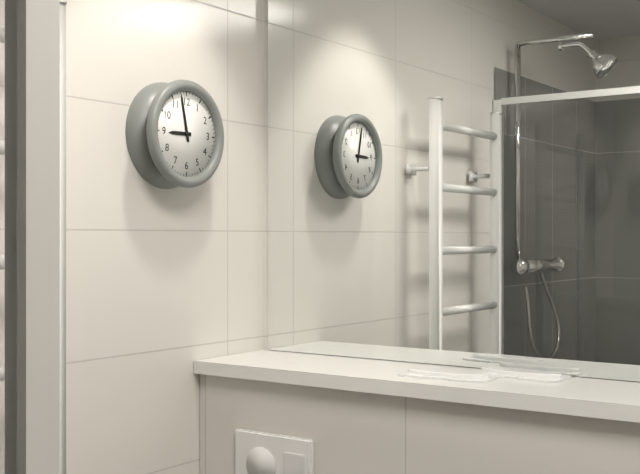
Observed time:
h=8 m=58
